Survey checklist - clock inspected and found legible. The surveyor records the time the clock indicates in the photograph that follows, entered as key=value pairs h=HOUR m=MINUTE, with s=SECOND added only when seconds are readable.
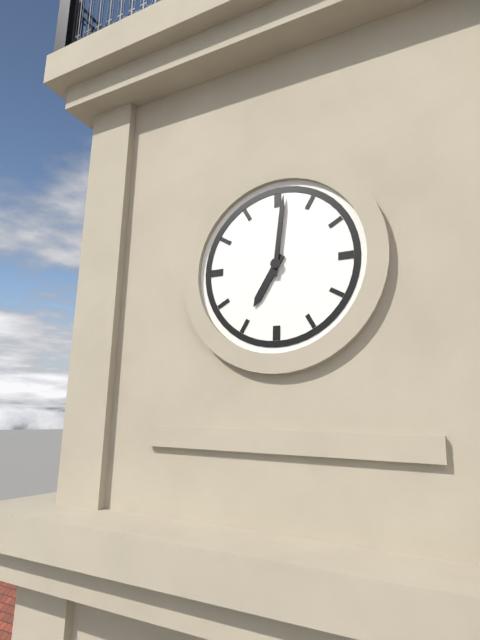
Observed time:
h=7 m=1
